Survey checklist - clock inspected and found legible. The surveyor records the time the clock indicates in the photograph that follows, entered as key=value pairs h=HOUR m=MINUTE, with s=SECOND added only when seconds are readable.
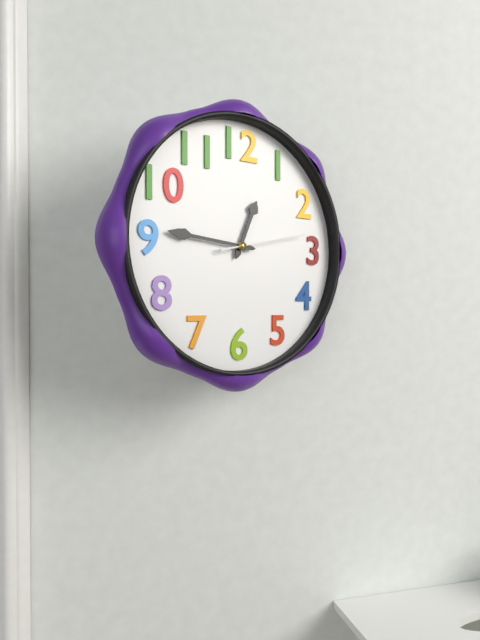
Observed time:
h=12 m=46 s=13
